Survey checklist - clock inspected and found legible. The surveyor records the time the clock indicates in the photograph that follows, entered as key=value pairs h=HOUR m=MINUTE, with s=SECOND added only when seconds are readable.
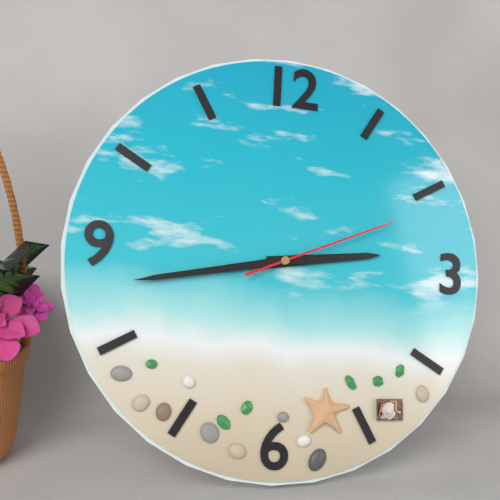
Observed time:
h=2 m=43 s=11
